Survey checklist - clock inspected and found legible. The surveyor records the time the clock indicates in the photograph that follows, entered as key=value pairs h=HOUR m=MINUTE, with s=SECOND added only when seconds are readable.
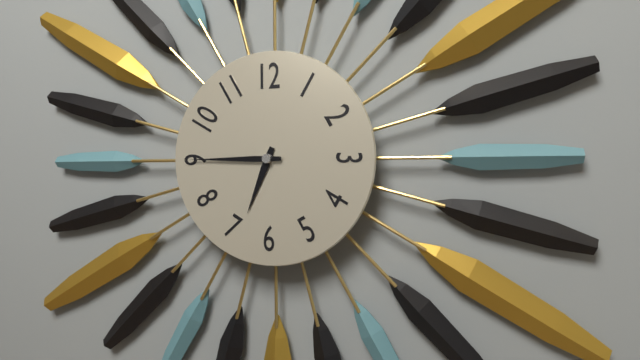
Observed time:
h=6 m=45
